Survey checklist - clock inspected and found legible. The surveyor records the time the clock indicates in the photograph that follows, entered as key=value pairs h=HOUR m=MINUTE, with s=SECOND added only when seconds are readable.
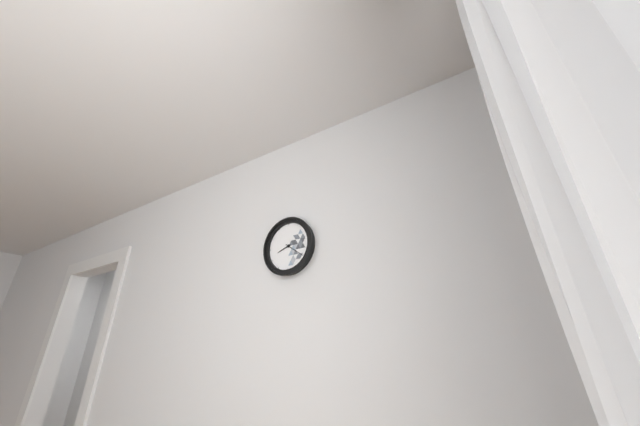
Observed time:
h=8 m=21
